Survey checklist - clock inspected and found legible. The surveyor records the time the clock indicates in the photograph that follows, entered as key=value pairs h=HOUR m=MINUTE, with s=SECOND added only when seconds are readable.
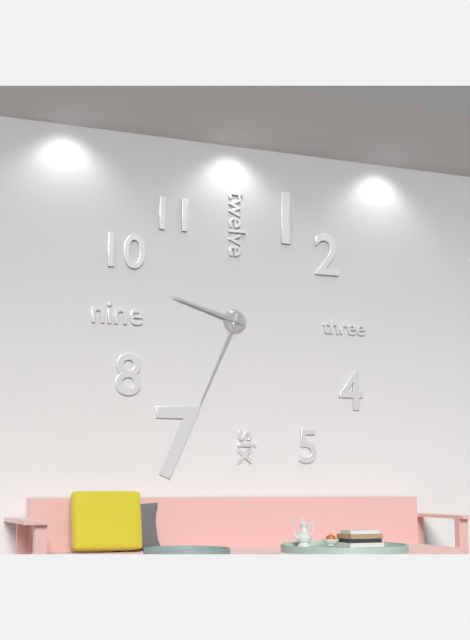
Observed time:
h=9 m=34
